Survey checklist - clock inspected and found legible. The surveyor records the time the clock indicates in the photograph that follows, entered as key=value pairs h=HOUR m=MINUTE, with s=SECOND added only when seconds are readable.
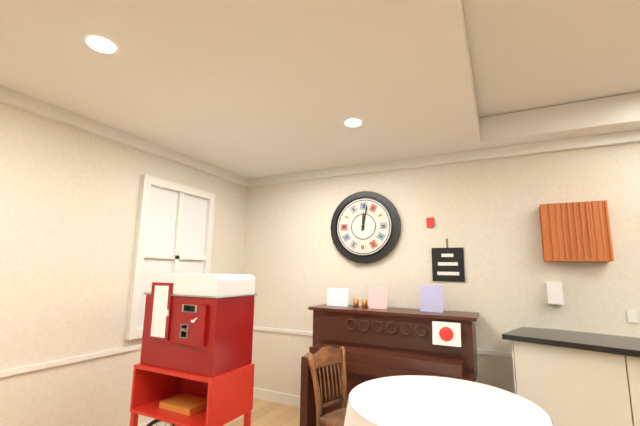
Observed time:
h=12 m=2
